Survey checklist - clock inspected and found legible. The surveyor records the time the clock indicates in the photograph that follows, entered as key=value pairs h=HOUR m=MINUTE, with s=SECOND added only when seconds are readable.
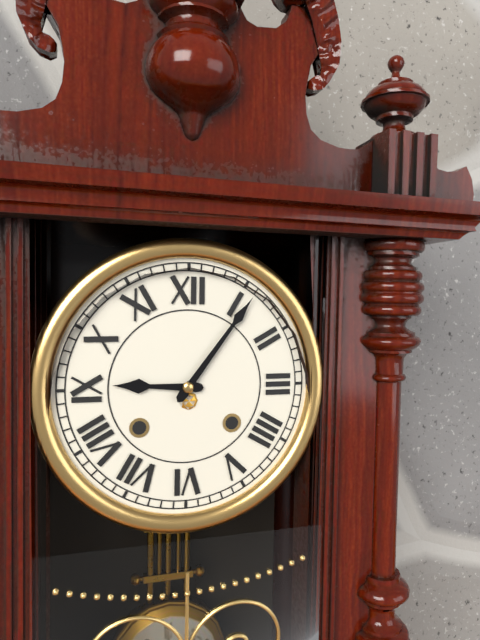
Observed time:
h=9 m=6
